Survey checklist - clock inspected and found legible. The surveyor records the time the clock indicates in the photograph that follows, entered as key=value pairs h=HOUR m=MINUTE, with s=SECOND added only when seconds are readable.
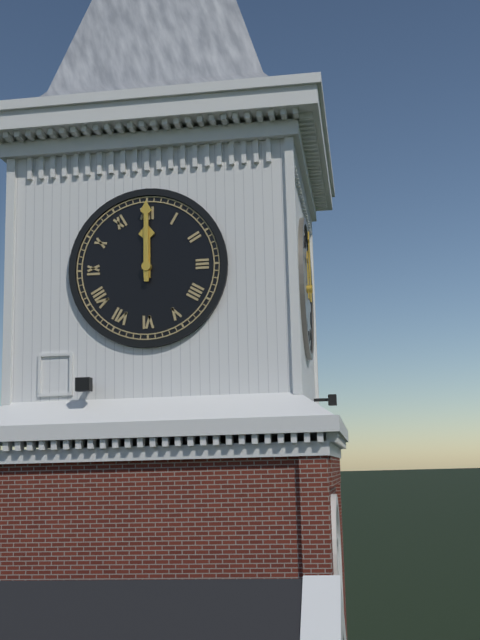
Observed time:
h=12 m=0
